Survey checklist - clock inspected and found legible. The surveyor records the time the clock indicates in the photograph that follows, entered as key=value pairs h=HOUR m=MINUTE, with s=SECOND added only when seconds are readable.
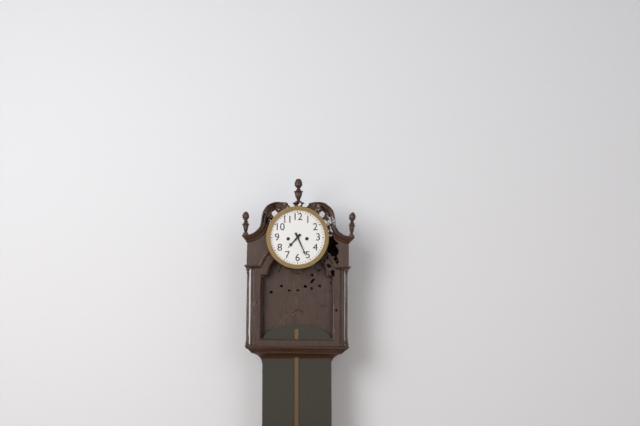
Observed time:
h=7 m=26
